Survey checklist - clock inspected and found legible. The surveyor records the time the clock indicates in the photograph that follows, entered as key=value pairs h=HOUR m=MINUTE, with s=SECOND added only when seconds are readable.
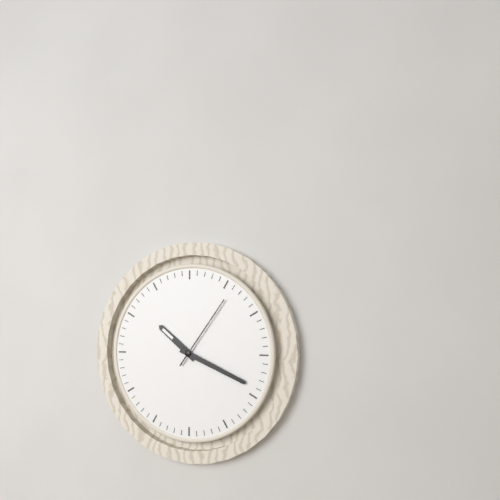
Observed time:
h=10 m=19 s=6
